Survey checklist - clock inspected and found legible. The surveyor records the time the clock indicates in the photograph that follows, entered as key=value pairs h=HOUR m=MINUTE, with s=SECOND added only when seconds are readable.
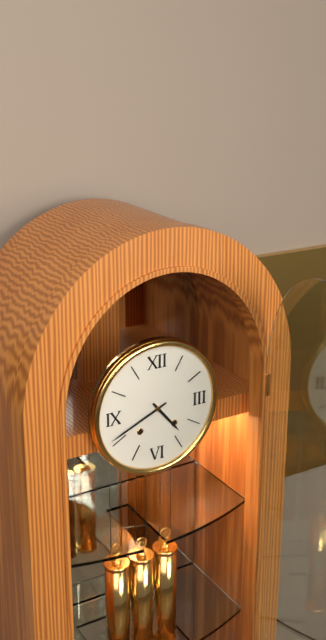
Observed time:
h=4 m=41
